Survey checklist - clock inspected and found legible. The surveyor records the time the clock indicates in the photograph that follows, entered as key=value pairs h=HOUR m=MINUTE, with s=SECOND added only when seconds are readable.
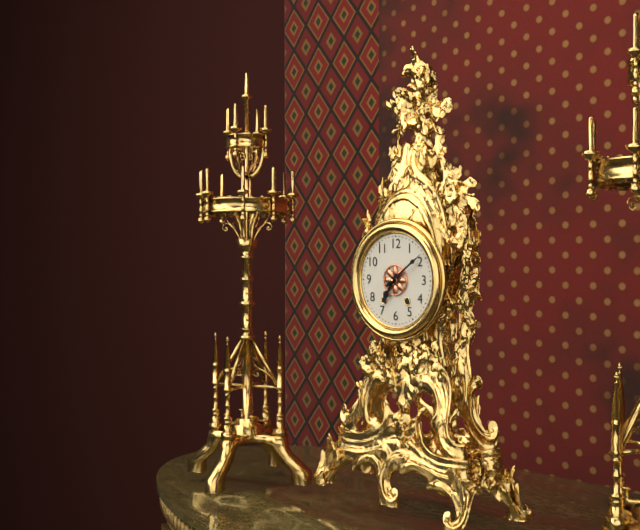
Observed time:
h=7 m=9
